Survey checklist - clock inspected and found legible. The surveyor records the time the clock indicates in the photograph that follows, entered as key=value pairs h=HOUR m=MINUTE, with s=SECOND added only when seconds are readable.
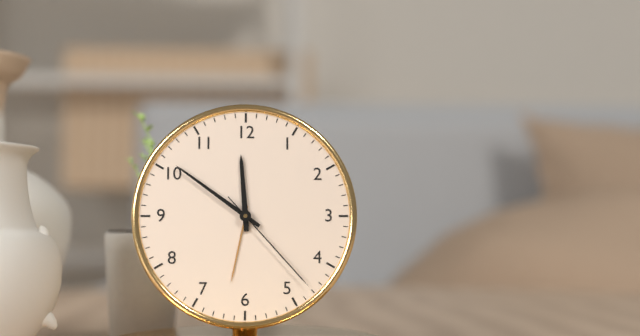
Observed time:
h=11 m=51 s=23
